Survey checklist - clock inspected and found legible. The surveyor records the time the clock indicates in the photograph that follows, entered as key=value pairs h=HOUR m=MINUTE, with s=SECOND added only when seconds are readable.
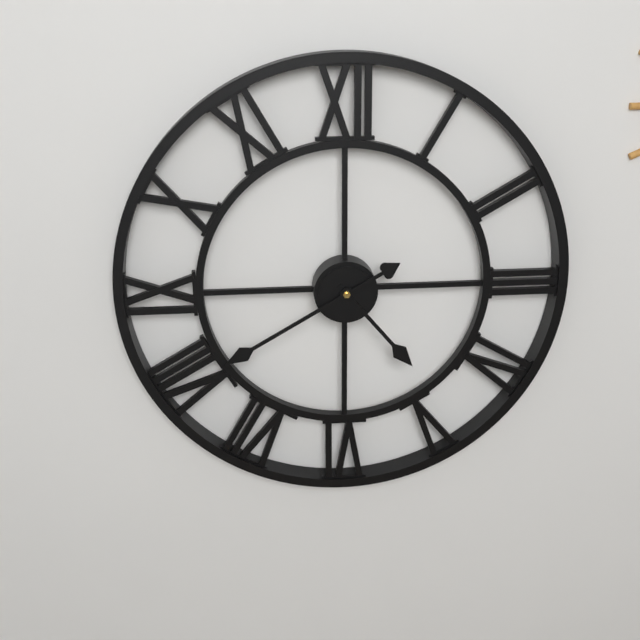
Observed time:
h=4 m=40
